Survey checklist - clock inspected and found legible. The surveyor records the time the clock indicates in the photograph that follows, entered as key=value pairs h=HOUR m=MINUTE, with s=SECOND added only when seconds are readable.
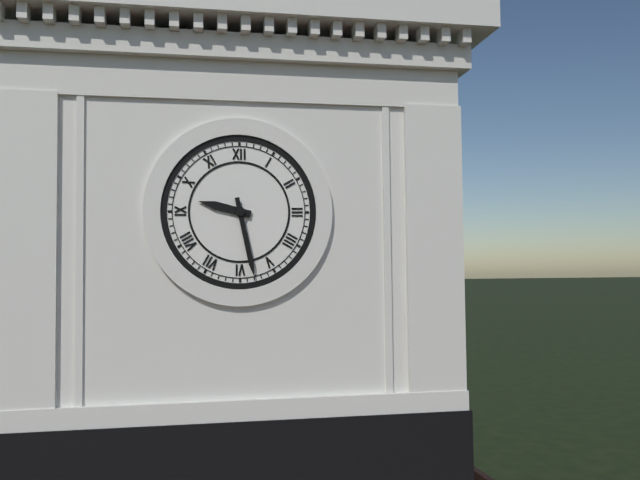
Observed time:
h=9 m=28
